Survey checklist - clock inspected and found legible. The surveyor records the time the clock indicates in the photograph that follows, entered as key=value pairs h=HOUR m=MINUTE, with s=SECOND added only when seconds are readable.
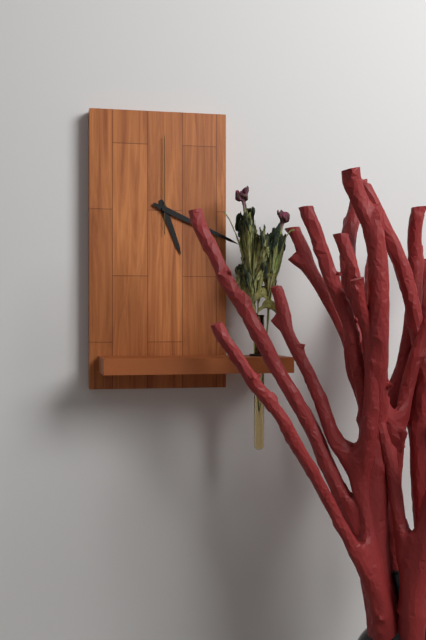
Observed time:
h=5 m=19 s=0
